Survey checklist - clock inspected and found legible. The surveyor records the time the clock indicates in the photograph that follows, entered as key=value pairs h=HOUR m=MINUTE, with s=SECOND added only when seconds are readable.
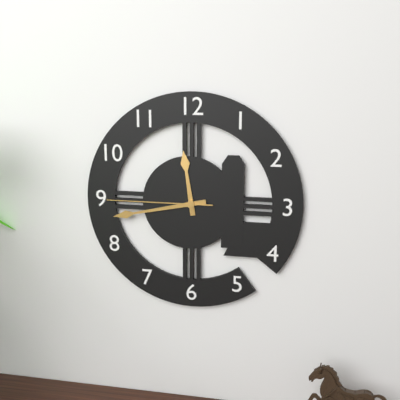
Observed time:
h=11 m=43 s=45
